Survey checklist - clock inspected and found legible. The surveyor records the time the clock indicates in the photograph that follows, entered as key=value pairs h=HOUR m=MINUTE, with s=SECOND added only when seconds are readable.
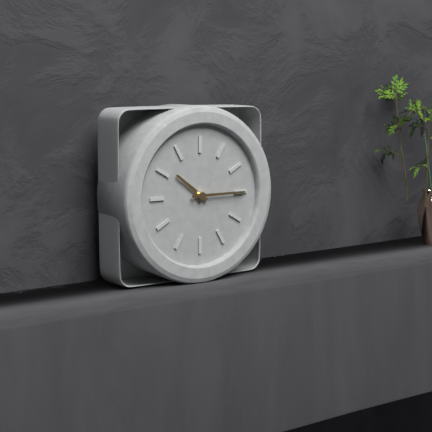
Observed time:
h=10 m=15
